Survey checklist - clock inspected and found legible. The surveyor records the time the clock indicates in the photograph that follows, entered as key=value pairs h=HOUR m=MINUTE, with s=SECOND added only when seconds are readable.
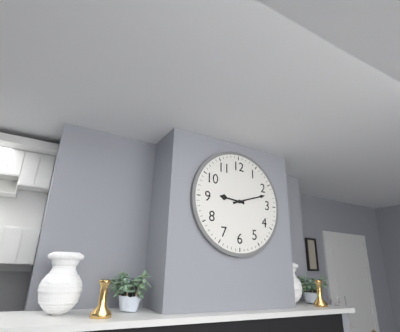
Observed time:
h=9 m=12
